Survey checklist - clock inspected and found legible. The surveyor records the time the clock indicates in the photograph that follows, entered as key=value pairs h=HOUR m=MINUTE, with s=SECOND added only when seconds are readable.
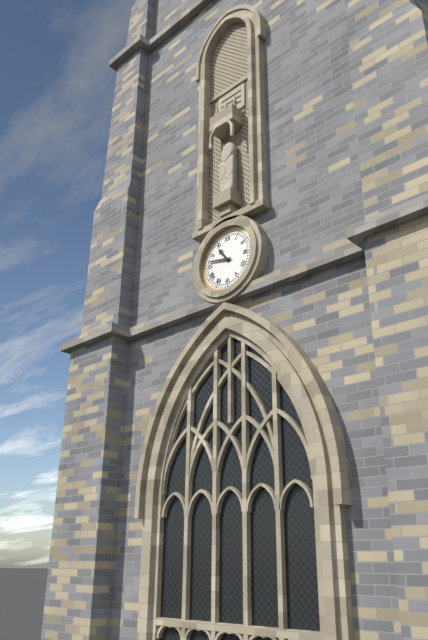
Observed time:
h=10 m=47
